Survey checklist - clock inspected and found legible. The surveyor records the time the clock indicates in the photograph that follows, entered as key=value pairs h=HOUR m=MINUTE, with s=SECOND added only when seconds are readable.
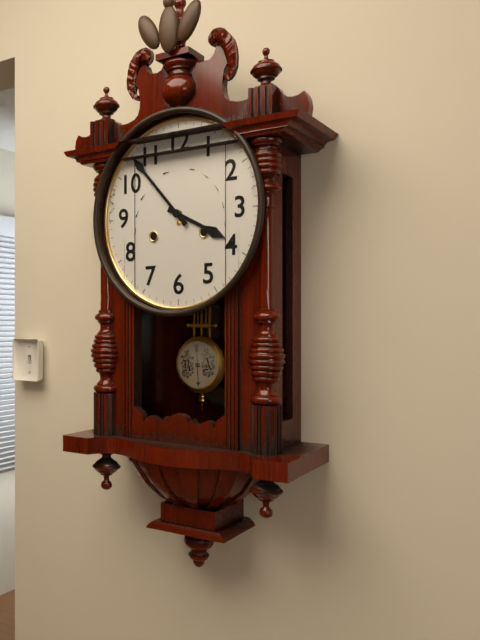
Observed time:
h=3 m=53
